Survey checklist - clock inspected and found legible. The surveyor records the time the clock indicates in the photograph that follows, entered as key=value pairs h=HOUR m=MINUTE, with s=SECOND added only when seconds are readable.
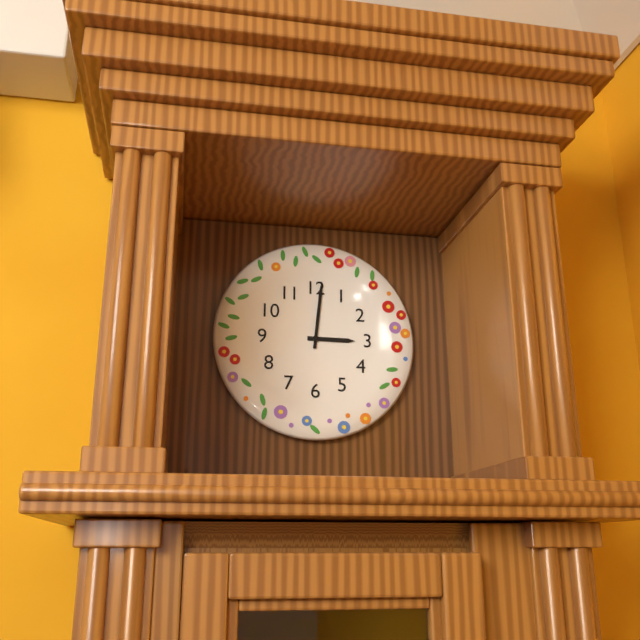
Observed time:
h=3 m=1
